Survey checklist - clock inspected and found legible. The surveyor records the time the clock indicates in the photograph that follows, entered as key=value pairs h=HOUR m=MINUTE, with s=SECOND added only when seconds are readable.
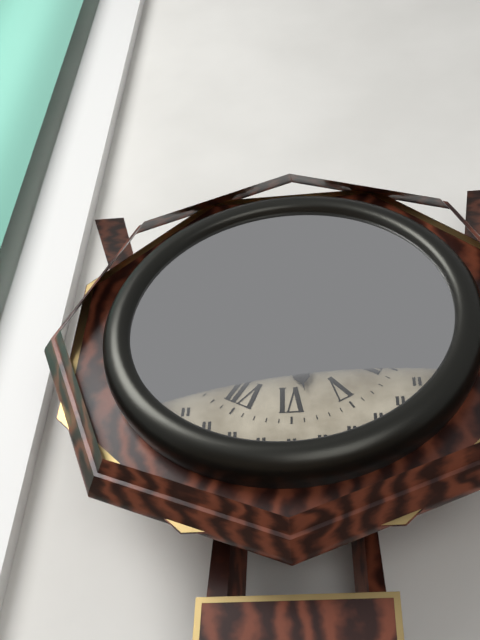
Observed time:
h=5 m=42
